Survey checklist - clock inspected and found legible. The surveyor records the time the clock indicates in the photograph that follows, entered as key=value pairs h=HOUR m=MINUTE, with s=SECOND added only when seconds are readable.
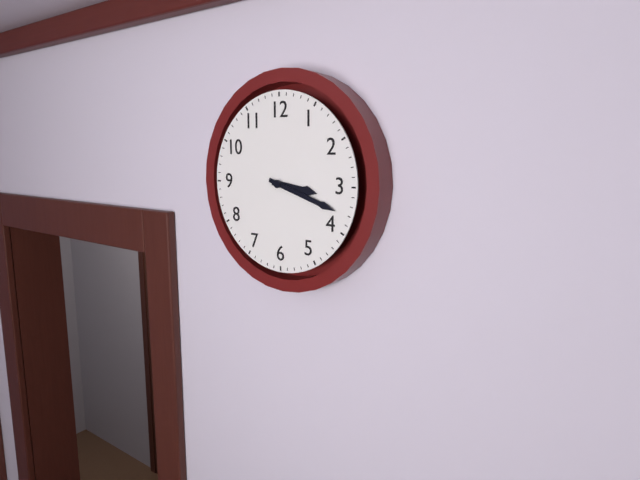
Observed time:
h=3 m=18
